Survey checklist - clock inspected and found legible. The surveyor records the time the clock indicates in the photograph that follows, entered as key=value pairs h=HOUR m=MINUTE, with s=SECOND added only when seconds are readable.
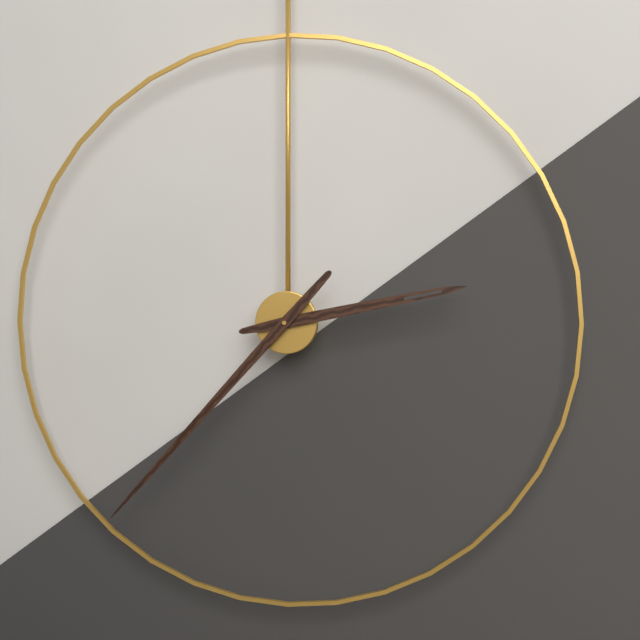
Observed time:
h=2 m=37
